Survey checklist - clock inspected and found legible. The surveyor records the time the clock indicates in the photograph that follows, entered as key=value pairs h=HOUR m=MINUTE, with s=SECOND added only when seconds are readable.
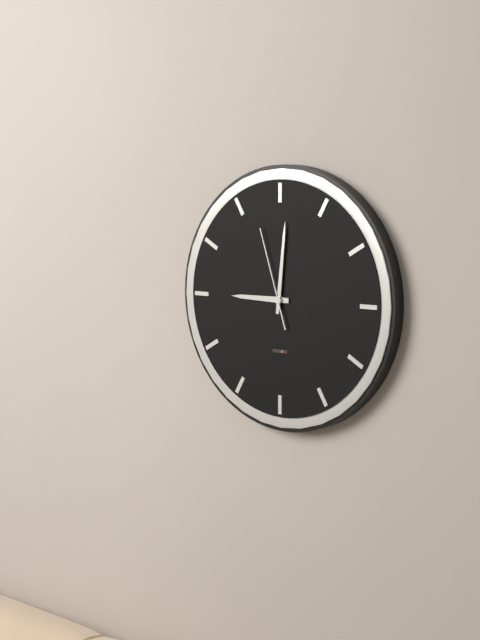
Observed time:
h=9 m=1 s=57
